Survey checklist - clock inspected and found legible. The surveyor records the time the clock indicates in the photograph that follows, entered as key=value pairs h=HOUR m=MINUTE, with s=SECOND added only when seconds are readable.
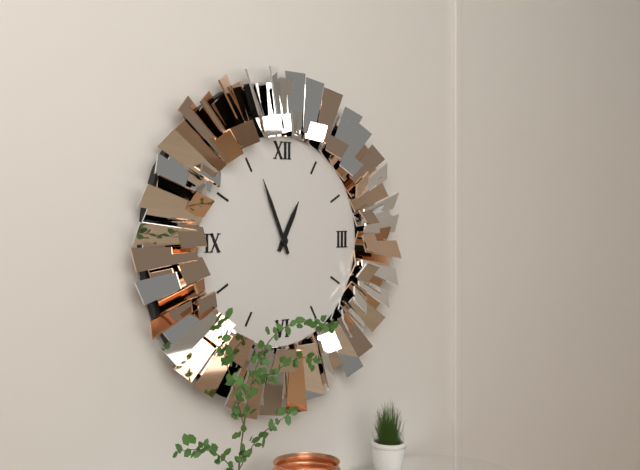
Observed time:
h=12 m=56
